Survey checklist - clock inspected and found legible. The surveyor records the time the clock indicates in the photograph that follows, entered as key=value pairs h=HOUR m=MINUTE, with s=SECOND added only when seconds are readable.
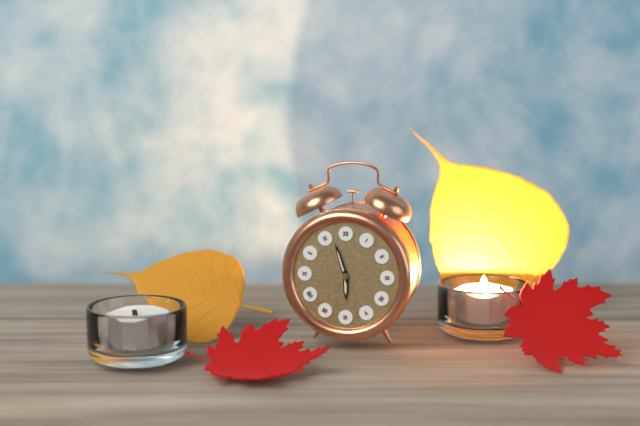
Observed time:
h=5 m=57
